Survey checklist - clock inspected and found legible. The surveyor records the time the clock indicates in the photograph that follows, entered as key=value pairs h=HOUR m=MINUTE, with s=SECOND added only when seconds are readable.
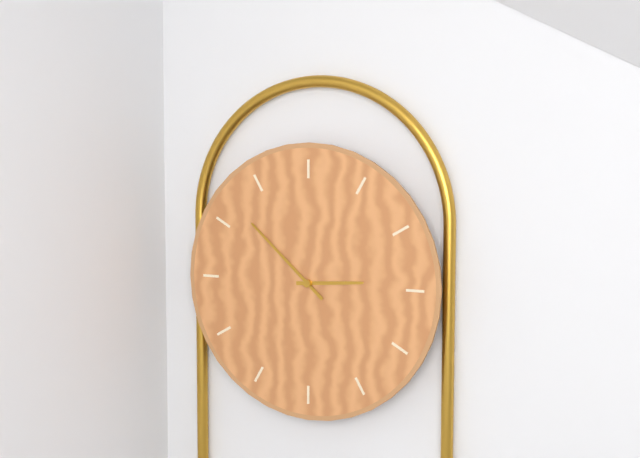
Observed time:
h=2 m=52
